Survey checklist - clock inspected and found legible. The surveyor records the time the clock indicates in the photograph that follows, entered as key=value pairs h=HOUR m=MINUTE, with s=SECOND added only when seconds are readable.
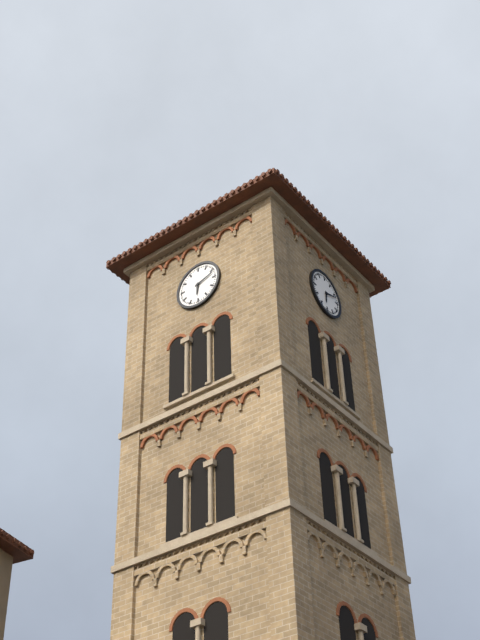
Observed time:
h=6 m=12
